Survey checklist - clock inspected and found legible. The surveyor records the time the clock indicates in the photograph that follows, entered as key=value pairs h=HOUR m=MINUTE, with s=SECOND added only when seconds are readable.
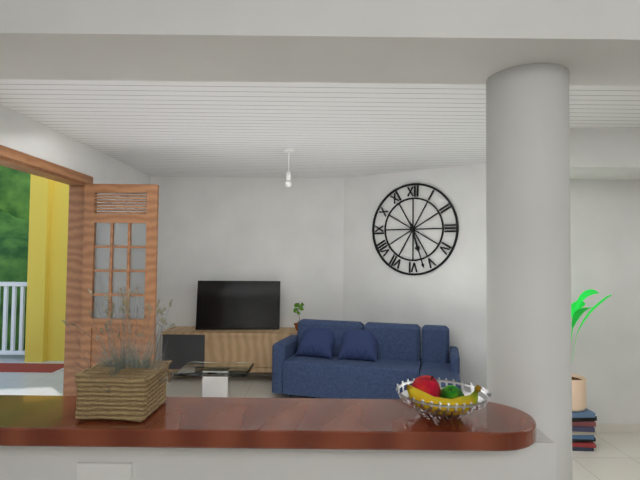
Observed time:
h=5 m=27
